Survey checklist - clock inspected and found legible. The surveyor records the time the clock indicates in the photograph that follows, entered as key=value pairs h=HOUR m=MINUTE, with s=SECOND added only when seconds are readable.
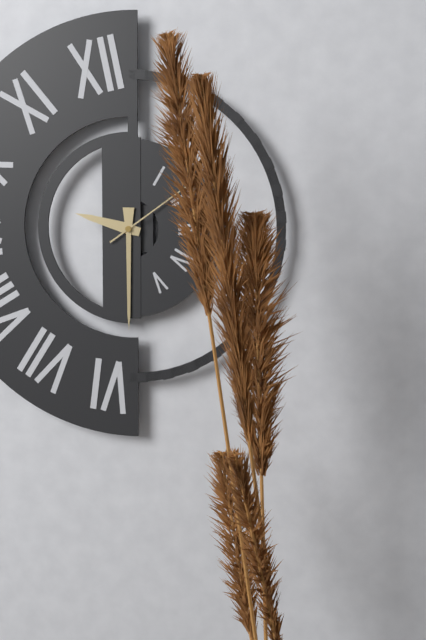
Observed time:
h=9 m=30
